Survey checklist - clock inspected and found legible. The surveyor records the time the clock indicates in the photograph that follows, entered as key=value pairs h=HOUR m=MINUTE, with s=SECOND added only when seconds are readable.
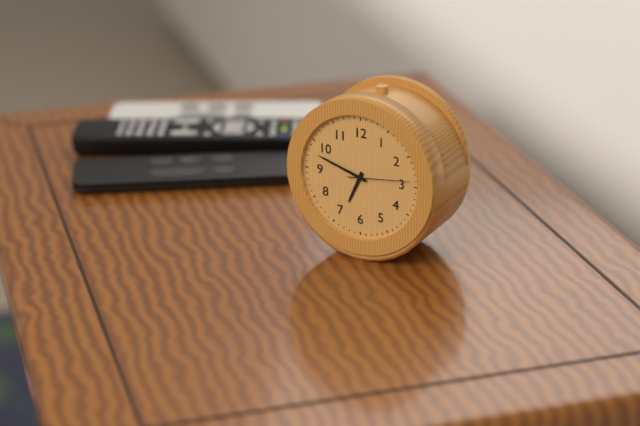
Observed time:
h=6 m=48 s=14
